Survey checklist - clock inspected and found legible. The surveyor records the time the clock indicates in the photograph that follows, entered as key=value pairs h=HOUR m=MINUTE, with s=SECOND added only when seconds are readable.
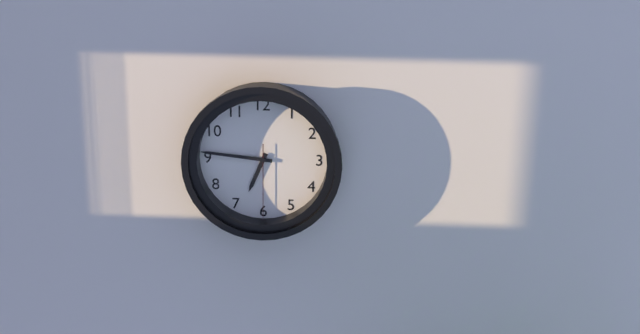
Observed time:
h=6 m=46 s=30
